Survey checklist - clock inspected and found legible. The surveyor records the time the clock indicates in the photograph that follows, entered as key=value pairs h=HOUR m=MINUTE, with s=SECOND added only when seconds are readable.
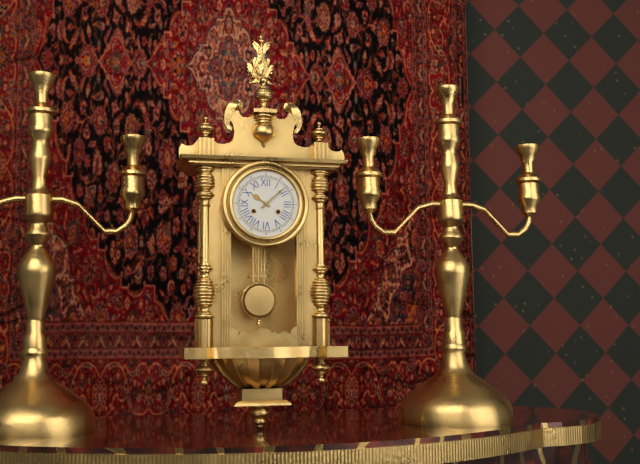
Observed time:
h=10 m=8
